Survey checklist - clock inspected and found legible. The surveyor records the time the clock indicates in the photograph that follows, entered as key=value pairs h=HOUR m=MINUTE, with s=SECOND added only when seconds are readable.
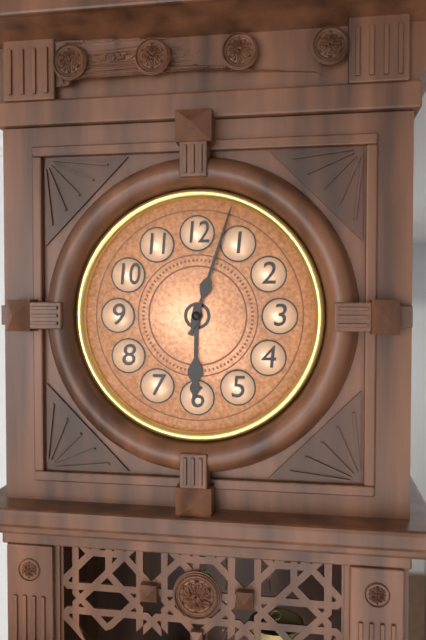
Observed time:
h=6 m=3
